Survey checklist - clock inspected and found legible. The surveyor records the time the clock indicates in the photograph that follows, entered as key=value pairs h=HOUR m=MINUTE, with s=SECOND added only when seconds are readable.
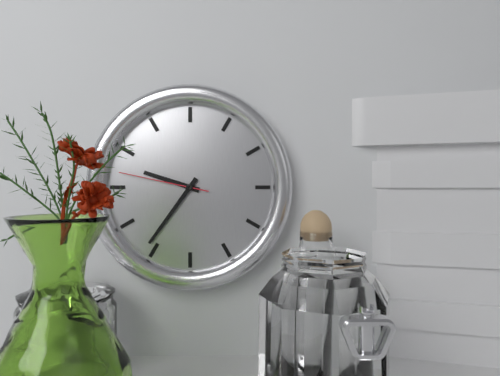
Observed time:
h=9 m=36 s=47
